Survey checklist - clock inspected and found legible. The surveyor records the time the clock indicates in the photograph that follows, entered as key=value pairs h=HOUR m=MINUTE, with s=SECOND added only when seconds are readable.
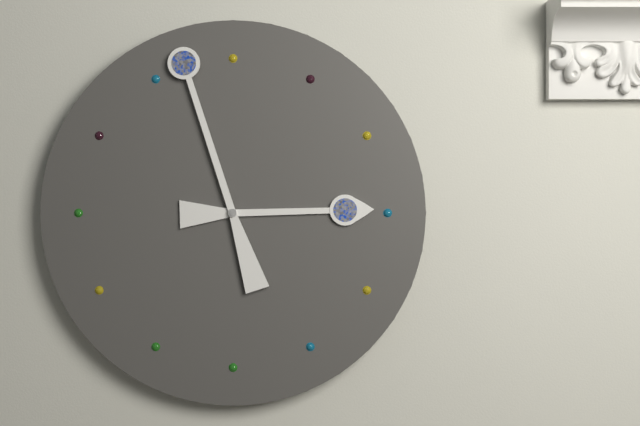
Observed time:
h=2 m=57
